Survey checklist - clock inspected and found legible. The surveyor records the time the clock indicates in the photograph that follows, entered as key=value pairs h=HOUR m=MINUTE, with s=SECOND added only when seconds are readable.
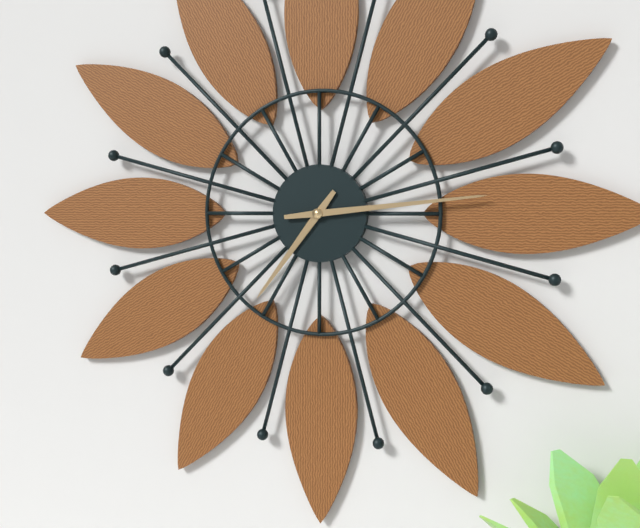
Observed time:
h=7 m=14
